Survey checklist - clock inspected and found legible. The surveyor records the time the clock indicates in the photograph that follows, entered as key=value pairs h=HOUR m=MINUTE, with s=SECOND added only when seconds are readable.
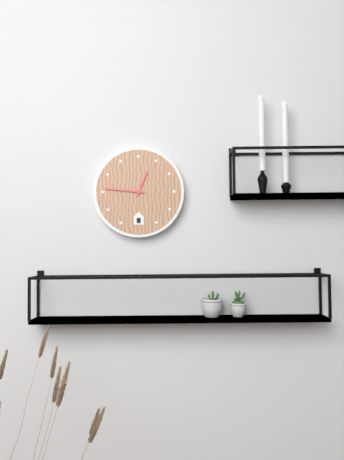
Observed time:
h=12 m=46
